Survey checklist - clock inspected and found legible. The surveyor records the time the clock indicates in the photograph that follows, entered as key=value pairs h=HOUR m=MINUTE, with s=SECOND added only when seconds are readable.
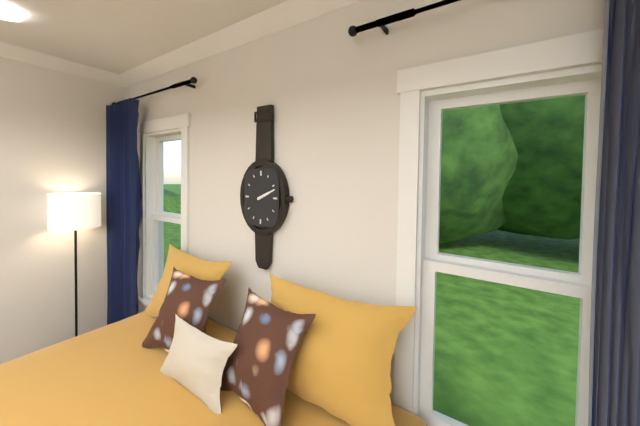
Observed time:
h=2 m=11
